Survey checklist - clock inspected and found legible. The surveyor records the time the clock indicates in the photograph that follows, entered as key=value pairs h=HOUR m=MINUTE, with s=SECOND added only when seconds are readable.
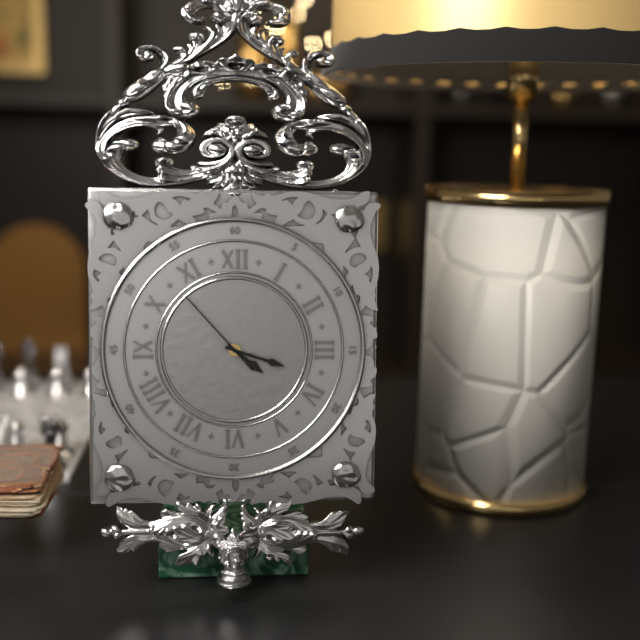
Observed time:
h=4 m=18 s=53
